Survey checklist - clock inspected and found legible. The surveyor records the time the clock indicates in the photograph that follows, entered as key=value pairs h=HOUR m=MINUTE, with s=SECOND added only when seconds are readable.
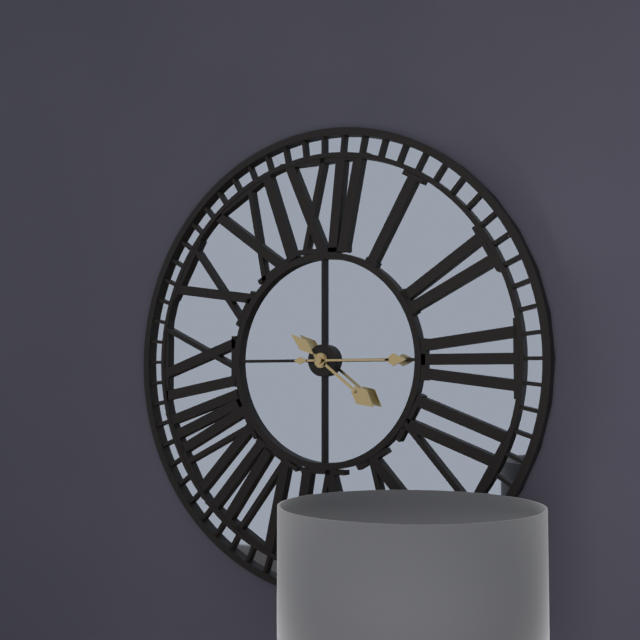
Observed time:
h=4 m=15
